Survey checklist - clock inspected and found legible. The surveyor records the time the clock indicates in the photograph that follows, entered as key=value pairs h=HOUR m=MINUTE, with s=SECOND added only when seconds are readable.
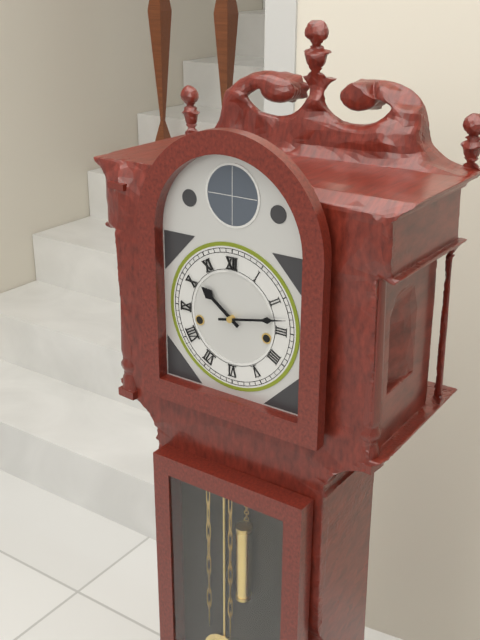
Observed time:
h=10 m=13
